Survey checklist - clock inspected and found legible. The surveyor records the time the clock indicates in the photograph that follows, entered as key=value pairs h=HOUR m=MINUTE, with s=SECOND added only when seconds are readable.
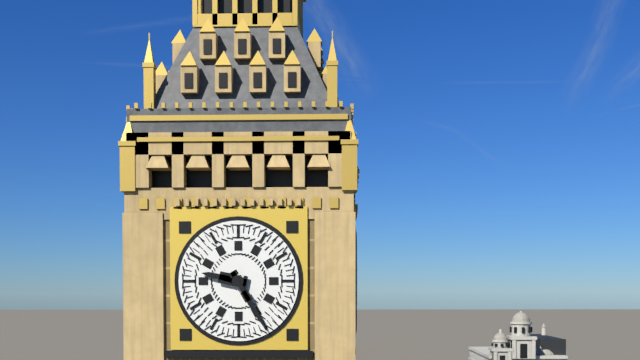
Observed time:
h=9 m=25
